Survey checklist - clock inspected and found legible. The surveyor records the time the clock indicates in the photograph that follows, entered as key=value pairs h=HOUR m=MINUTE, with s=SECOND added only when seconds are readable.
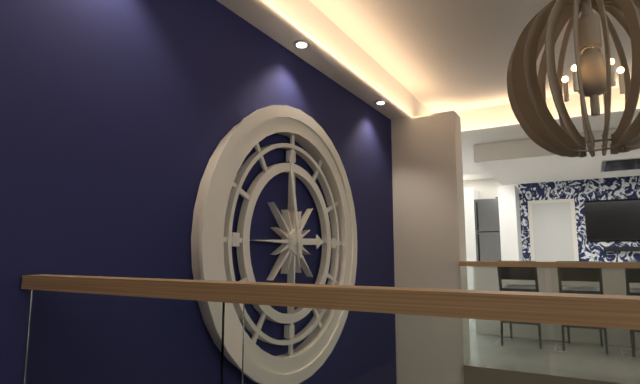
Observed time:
h=2 m=58
